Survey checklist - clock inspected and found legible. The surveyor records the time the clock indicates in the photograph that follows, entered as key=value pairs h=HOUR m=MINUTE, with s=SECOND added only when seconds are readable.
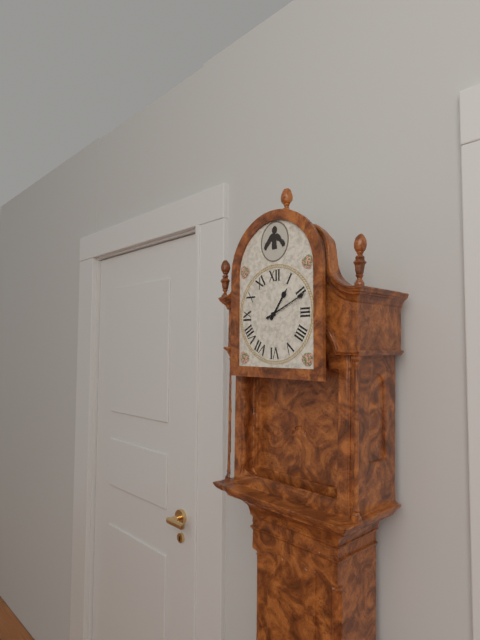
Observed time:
h=1 m=11
